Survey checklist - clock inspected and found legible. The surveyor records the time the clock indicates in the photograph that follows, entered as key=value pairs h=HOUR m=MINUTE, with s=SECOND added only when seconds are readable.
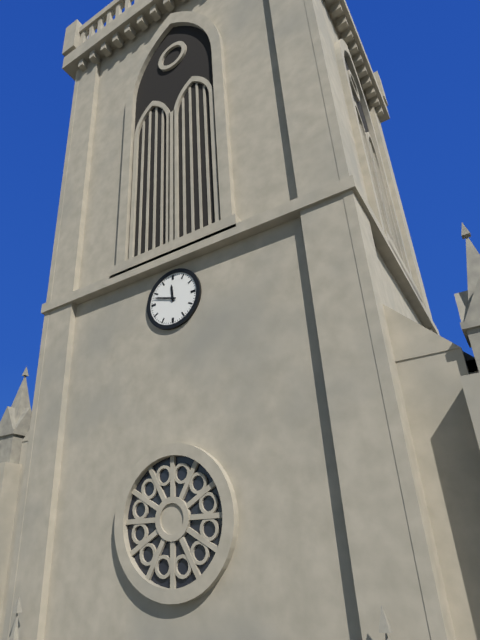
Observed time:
h=11 m=48
